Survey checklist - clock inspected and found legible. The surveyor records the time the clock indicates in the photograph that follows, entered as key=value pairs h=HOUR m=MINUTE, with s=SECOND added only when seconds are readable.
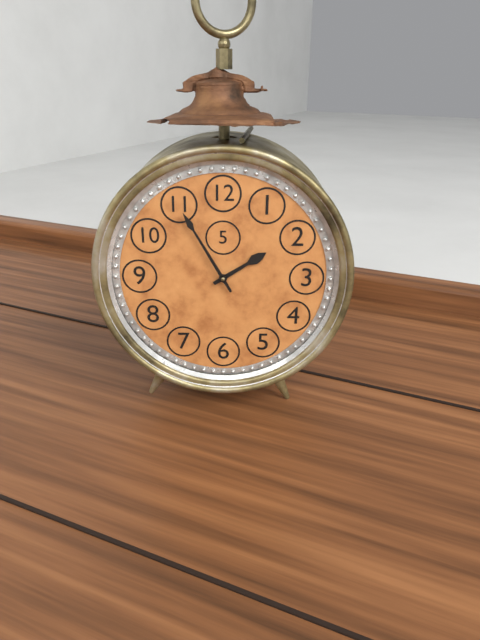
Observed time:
h=1 m=55
